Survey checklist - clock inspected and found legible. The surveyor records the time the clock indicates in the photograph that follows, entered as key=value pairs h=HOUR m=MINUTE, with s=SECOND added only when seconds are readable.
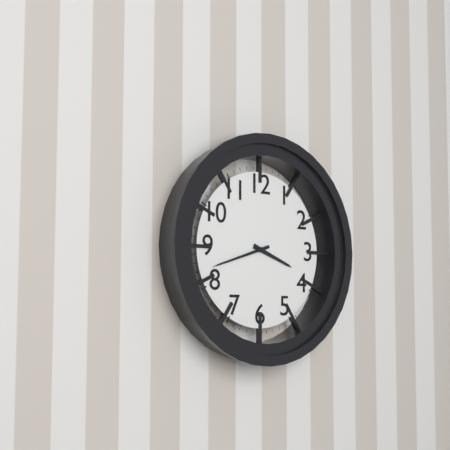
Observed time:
h=3 m=42
